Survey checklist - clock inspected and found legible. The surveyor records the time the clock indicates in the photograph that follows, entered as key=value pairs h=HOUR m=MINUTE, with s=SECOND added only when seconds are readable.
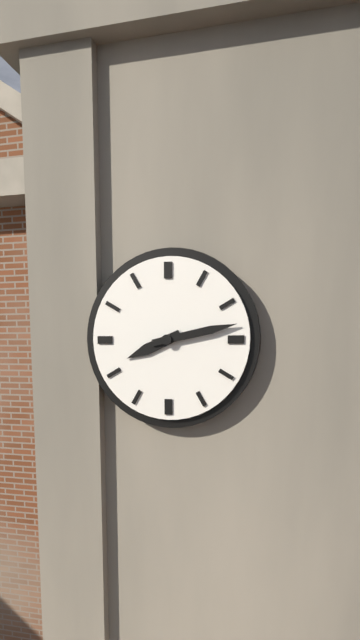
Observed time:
h=8 m=13
